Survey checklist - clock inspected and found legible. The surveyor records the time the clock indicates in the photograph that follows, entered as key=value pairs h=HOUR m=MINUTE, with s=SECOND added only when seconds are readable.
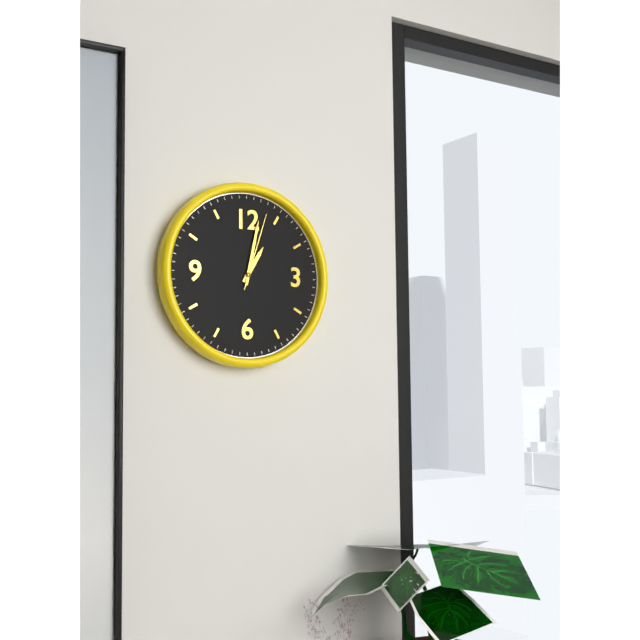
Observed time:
h=1 m=2 s=3
